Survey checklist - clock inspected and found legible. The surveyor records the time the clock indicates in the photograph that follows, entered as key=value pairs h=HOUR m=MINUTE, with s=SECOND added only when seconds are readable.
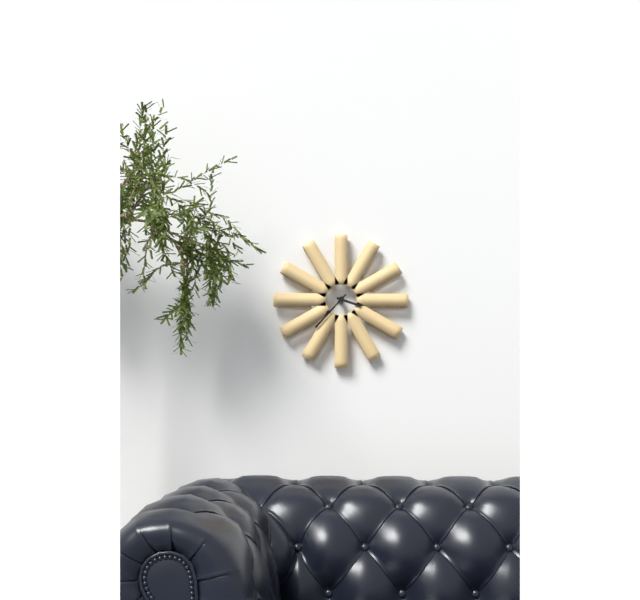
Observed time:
h=3 m=37
